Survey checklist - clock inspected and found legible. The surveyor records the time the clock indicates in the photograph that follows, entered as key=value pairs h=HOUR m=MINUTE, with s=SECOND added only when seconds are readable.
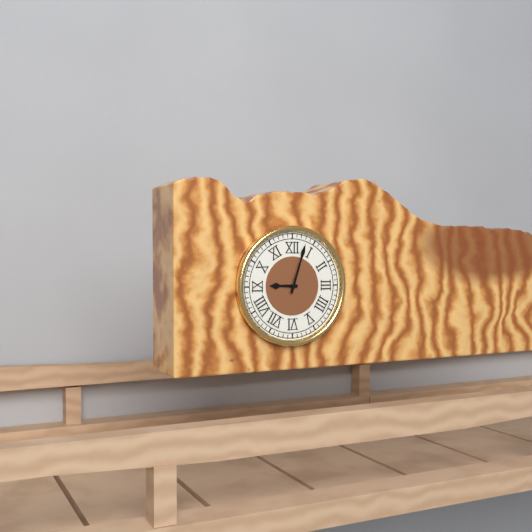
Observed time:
h=9 m=3
